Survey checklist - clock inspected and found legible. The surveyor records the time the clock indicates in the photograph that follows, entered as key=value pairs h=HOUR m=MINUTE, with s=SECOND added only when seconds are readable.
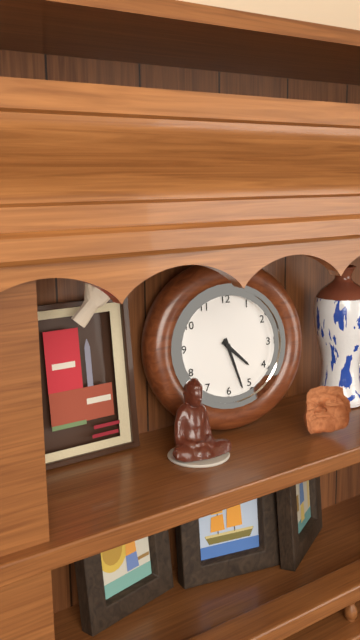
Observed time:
h=4 m=27
